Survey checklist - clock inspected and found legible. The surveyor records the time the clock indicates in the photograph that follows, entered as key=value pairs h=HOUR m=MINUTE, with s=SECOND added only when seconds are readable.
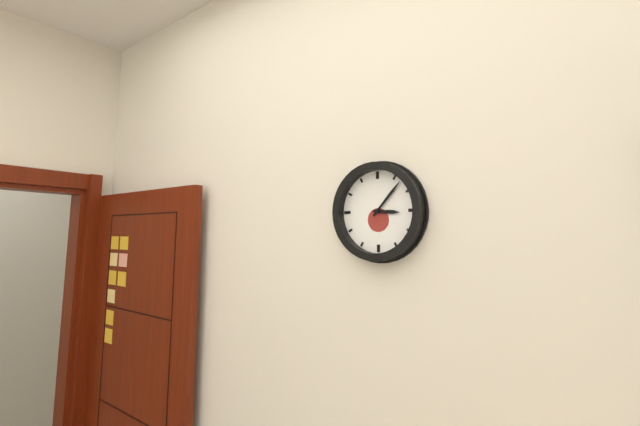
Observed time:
h=3 m=7
